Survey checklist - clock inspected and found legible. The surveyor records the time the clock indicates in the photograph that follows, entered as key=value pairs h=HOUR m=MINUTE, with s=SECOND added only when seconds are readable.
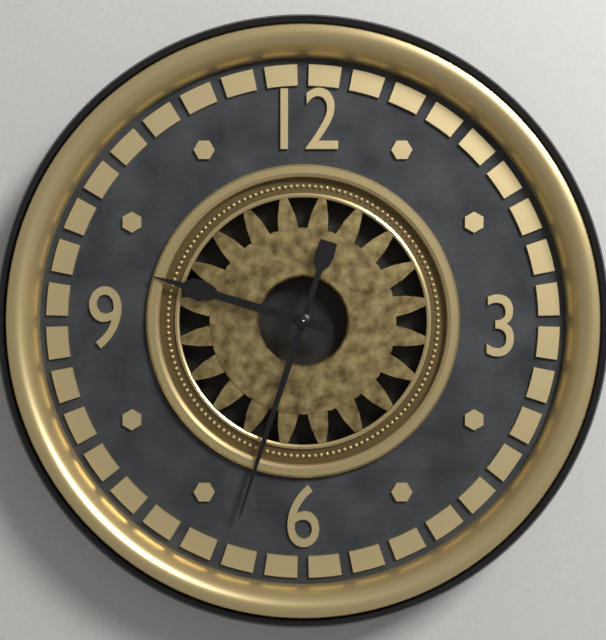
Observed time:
h=9 m=33
